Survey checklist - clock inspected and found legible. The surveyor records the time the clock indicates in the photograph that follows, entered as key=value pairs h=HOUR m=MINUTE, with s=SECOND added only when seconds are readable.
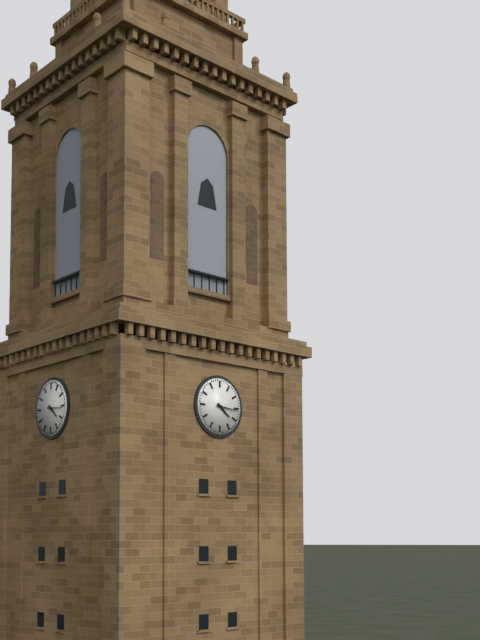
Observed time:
h=4 m=16
